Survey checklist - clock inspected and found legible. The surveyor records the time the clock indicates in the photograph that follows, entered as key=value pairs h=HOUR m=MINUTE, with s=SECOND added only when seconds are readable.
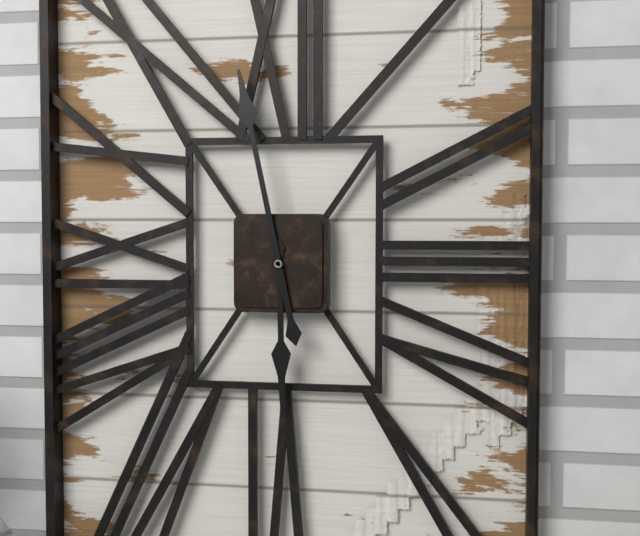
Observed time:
h=5 m=58
